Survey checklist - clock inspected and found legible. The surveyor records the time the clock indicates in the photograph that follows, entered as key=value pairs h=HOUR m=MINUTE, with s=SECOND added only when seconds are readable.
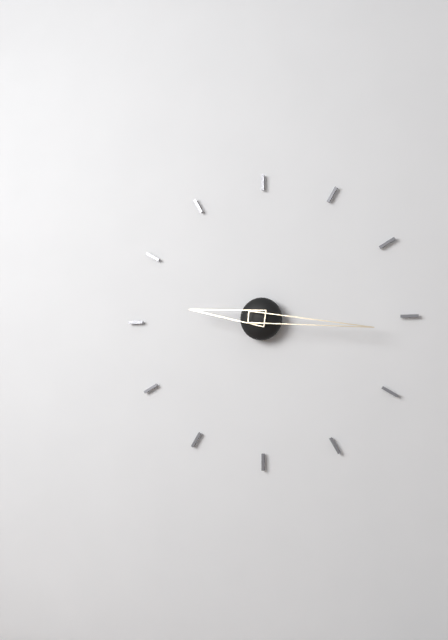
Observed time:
h=9 m=16
